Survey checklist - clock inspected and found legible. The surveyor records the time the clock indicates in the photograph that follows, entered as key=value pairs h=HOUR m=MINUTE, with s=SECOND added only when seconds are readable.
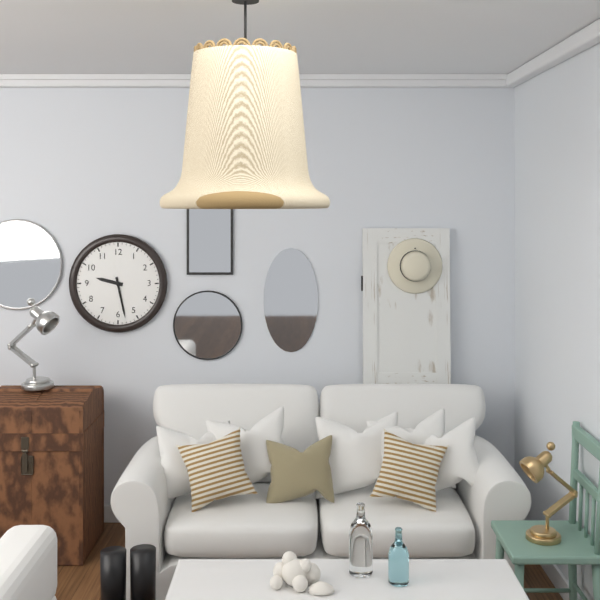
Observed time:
h=9 m=28
